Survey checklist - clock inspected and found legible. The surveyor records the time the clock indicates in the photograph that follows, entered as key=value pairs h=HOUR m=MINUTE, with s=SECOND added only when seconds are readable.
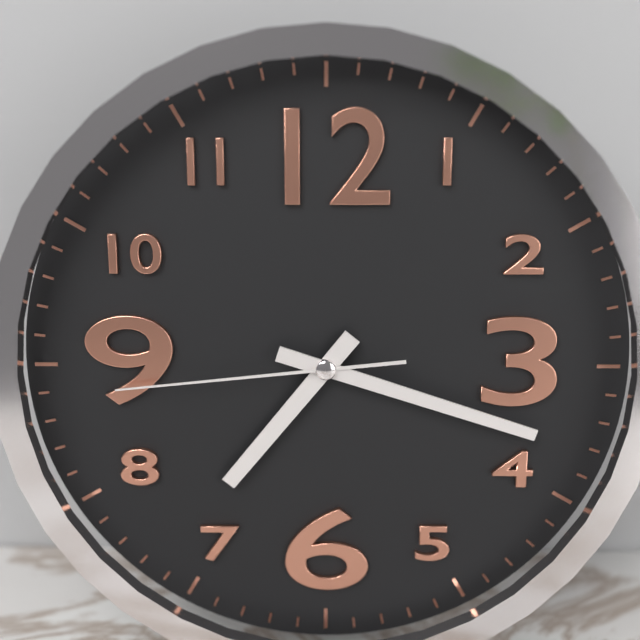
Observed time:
h=7 m=18 s=44
